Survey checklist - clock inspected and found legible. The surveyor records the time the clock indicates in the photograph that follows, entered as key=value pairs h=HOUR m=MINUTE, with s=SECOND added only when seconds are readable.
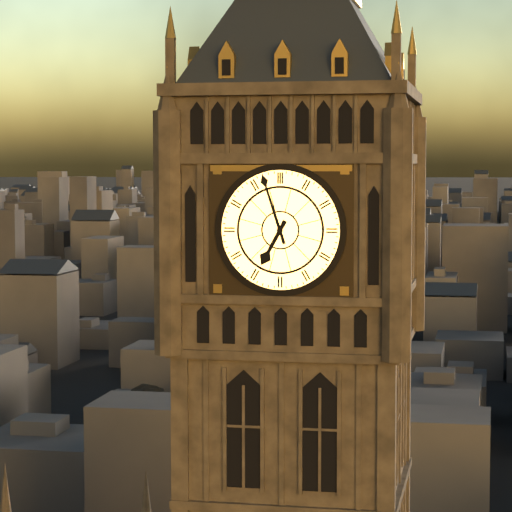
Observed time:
h=6 m=57
